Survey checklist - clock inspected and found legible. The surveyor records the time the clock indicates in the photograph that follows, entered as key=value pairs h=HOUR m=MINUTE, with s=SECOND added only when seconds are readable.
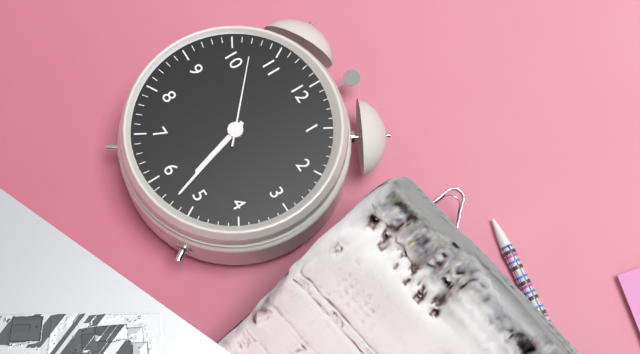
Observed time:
h=5 m=27 s=52
